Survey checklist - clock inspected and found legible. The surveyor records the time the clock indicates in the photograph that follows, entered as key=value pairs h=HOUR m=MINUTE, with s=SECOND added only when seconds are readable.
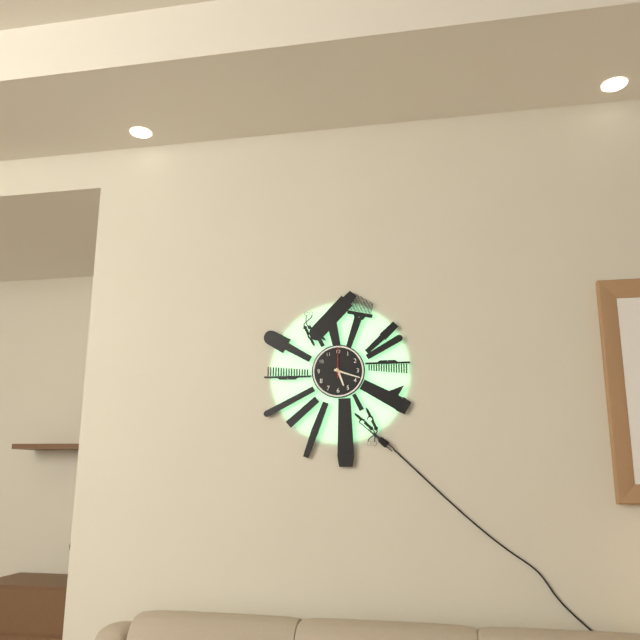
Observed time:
h=5 m=18
